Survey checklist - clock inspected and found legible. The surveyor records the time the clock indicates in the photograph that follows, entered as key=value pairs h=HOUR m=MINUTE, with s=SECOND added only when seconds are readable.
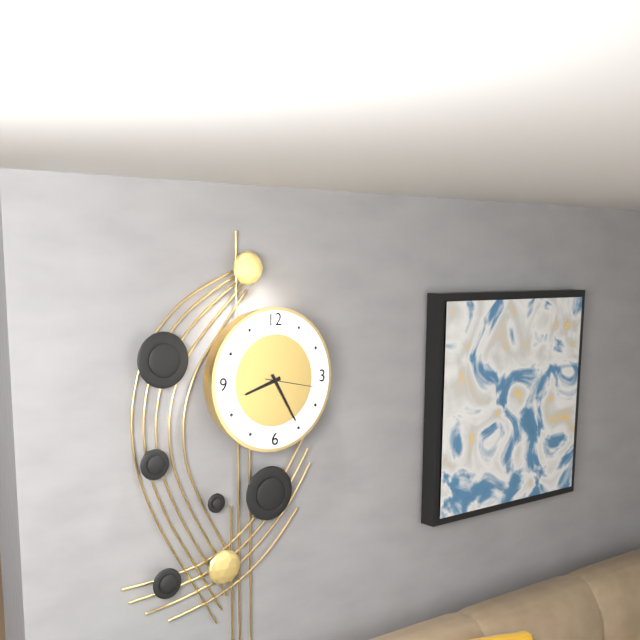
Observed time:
h=8 m=25 s=17
